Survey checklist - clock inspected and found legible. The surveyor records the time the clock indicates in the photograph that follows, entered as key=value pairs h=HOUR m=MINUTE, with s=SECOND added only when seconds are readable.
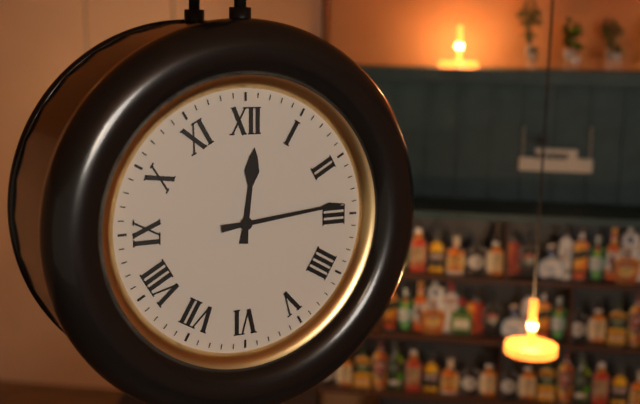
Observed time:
h=12 m=14
